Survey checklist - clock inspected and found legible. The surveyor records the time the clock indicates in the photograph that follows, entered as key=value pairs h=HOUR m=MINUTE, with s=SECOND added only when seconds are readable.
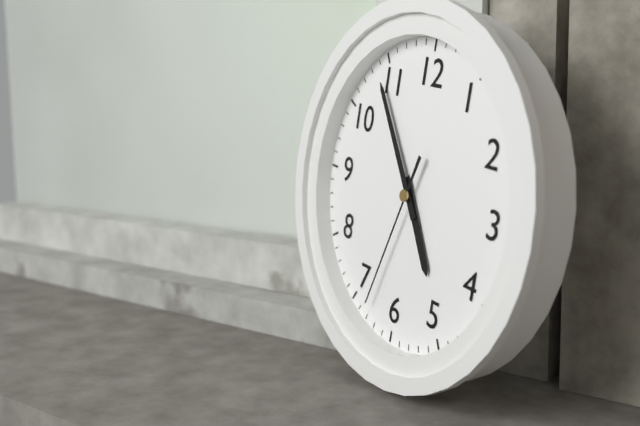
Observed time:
h=4 m=54 s=33
